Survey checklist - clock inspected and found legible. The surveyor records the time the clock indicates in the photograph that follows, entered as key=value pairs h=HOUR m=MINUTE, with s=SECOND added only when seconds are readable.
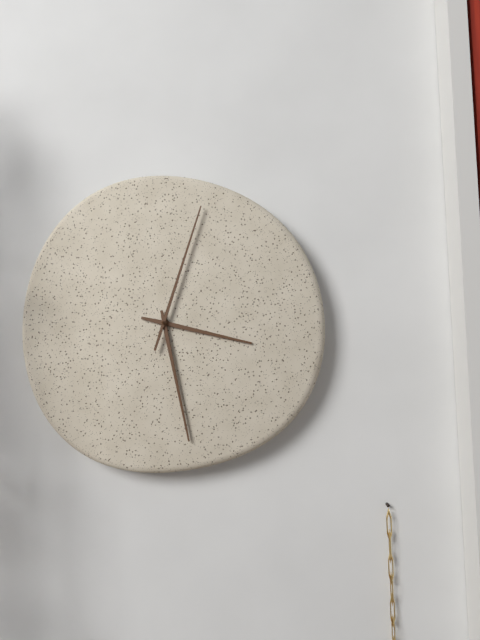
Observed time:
h=3 m=28 s=3
